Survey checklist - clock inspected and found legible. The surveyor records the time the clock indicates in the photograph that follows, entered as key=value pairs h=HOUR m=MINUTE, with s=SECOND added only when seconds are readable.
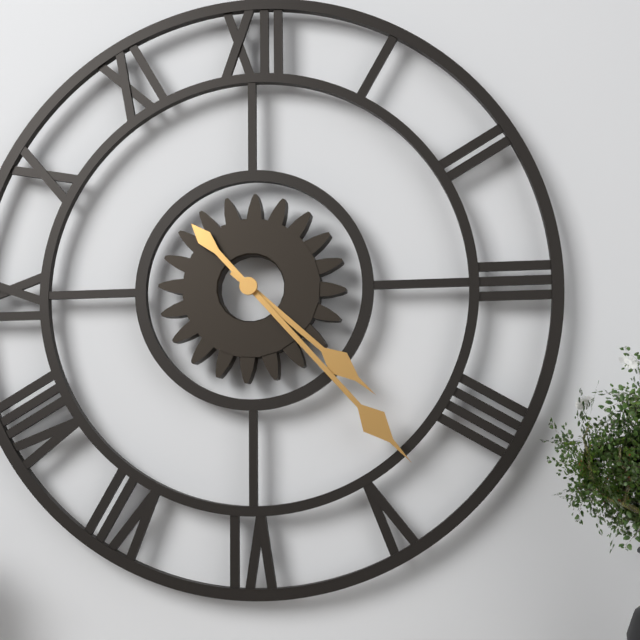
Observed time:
h=4 m=23
